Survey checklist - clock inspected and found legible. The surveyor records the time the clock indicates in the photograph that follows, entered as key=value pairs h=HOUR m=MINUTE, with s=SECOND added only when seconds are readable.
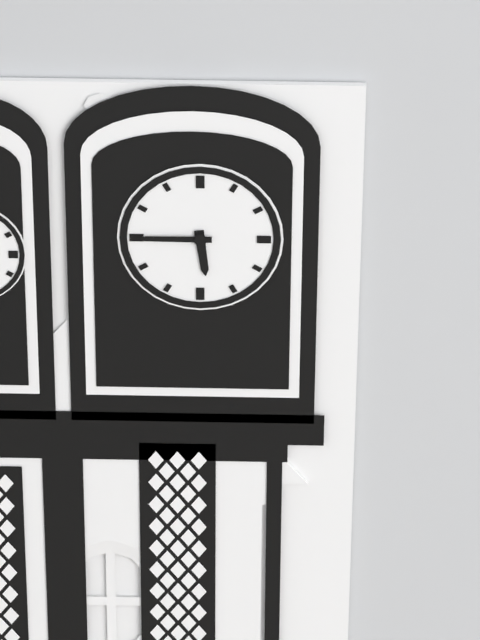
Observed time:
h=5 m=45
